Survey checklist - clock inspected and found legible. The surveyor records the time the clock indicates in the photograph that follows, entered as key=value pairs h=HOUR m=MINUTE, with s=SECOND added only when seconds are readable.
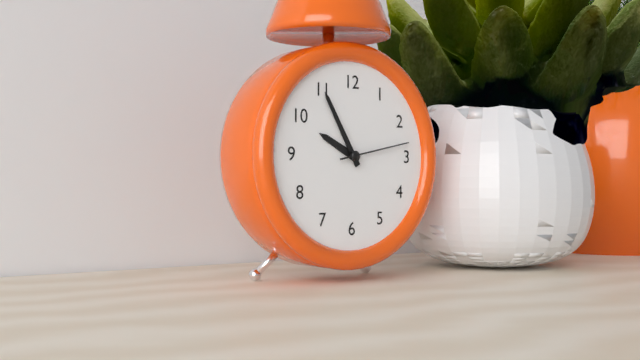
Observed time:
h=9 m=55 s=13
